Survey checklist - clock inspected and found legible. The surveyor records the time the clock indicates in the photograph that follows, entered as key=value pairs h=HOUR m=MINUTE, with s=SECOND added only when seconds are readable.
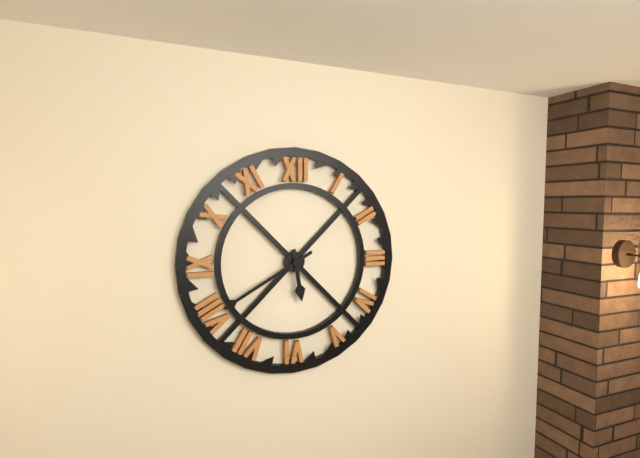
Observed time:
h=5 m=40
